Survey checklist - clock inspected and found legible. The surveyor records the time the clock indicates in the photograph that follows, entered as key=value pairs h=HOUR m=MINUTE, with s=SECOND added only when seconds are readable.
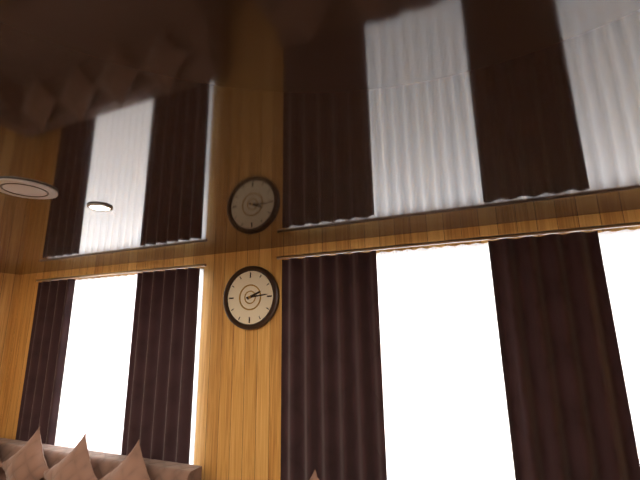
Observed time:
h=2 m=14
